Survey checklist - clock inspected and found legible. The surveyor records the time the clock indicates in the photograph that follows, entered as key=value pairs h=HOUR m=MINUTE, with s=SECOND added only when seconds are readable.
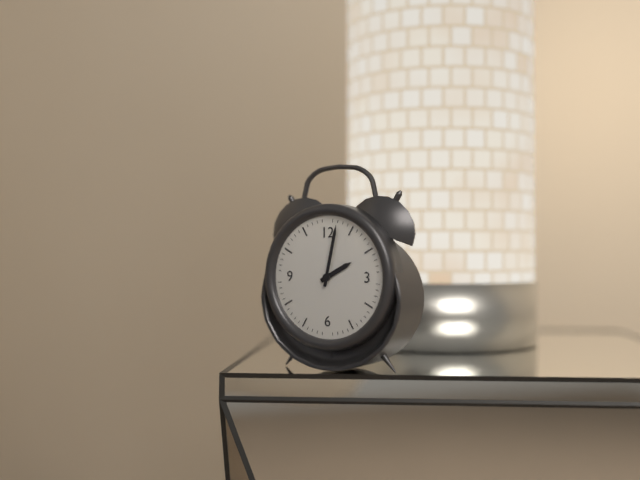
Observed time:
h=2 m=2
